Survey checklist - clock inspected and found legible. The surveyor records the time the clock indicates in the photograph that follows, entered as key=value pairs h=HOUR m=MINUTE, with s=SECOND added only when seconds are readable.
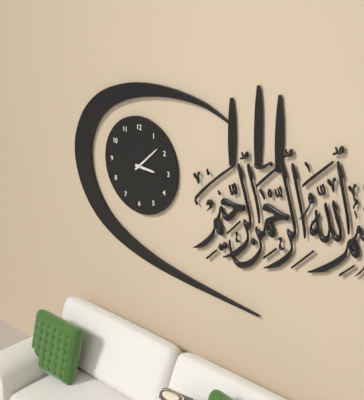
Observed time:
h=3 m=8
